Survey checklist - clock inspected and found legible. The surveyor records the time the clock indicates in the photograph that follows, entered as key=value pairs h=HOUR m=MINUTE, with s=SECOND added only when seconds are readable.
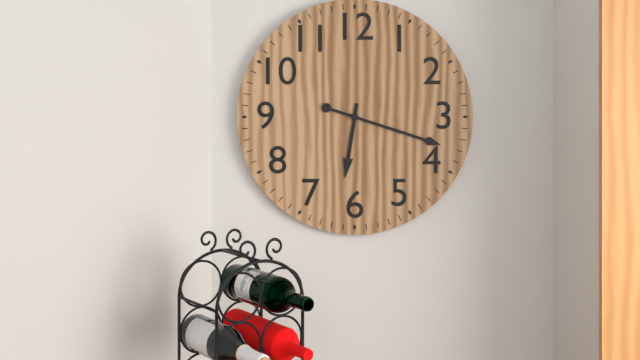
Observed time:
h=6 m=18
